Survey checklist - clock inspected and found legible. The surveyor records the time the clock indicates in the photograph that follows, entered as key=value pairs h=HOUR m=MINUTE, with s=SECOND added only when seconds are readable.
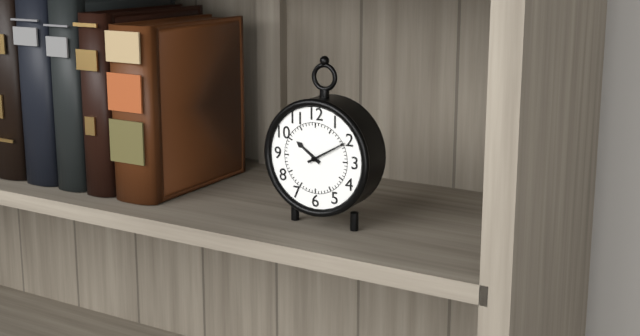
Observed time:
h=10 m=10
